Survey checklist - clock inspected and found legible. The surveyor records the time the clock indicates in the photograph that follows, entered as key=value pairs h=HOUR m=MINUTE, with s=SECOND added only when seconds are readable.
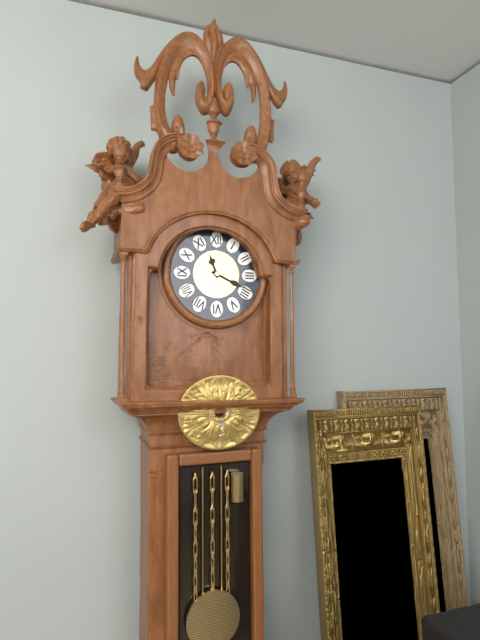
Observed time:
h=11 m=19
